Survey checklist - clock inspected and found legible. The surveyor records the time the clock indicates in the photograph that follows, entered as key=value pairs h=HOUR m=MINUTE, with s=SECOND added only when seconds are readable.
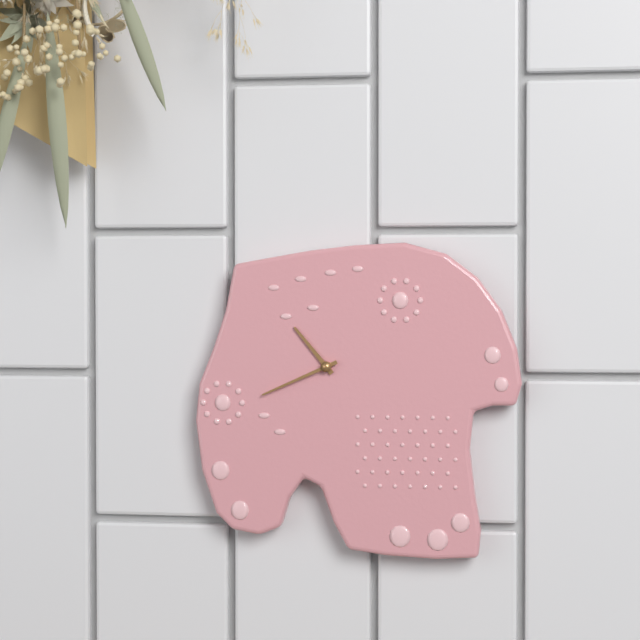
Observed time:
h=10 m=41
